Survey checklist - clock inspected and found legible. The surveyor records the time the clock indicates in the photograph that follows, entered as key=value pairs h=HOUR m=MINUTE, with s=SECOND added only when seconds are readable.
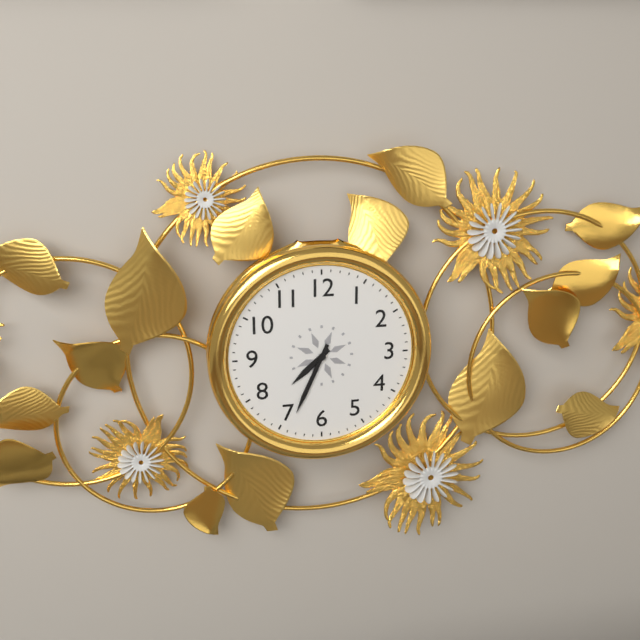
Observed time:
h=7 m=34
